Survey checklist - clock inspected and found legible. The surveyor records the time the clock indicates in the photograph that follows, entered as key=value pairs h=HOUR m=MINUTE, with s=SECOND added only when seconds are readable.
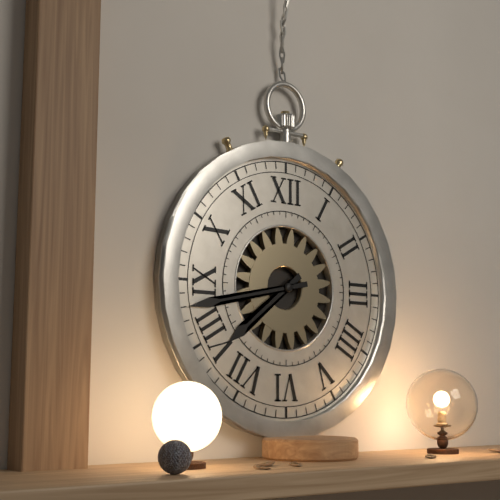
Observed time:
h=7 m=43
